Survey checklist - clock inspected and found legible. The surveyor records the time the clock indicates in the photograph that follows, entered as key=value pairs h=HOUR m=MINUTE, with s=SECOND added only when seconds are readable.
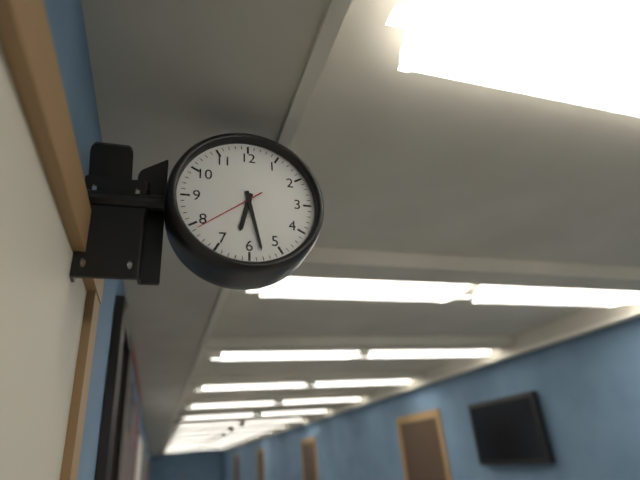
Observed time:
h=6 m=28 s=39
